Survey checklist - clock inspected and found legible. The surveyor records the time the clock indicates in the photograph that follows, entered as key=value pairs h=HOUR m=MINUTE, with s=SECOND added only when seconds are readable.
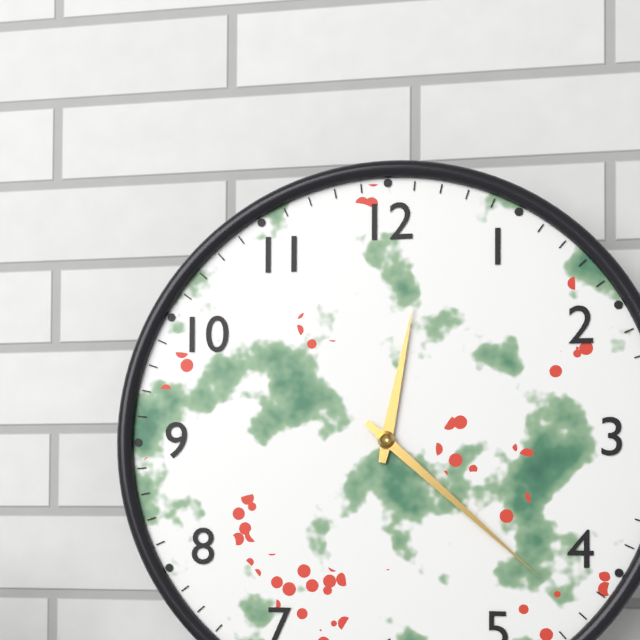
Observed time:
h=12 m=22
